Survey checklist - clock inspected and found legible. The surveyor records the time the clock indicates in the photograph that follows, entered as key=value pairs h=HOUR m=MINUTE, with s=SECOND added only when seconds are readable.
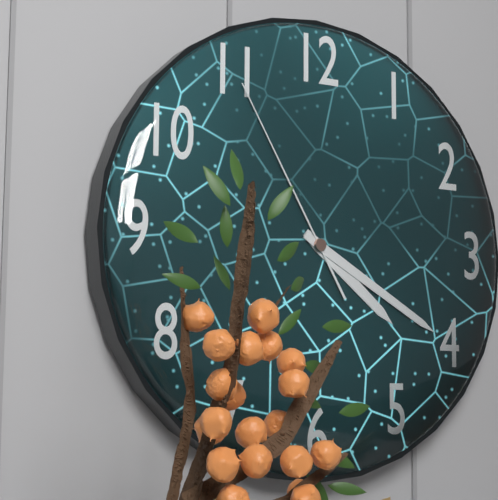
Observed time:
h=4 m=20 s=55
